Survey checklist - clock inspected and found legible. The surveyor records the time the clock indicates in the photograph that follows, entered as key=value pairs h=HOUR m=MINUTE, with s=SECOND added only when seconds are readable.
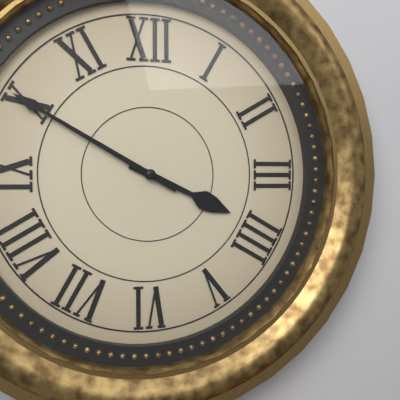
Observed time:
h=3 m=50
